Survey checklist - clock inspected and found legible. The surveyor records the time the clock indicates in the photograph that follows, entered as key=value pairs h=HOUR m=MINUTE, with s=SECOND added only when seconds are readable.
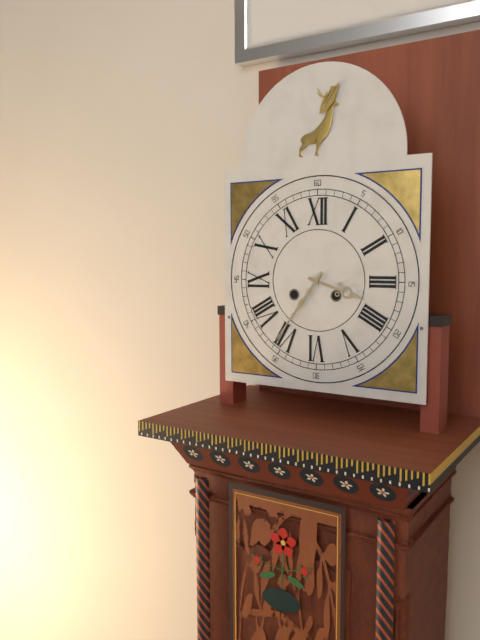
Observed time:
h=3 m=36
